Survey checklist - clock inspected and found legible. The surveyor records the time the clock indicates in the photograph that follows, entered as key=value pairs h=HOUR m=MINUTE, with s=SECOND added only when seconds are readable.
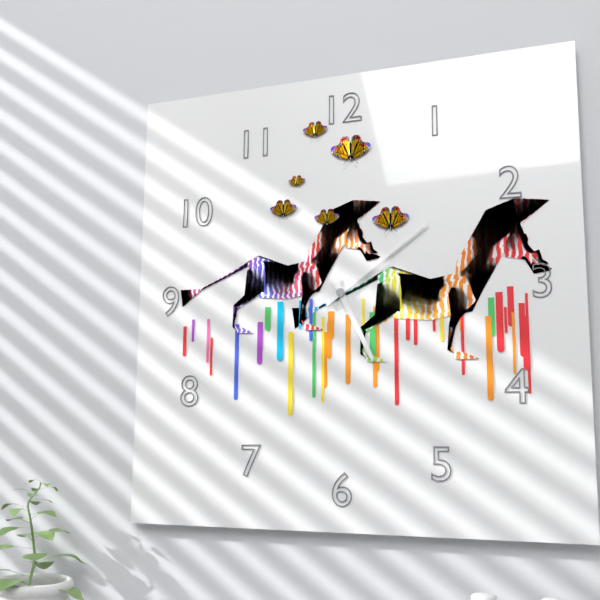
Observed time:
h=5 m=9
